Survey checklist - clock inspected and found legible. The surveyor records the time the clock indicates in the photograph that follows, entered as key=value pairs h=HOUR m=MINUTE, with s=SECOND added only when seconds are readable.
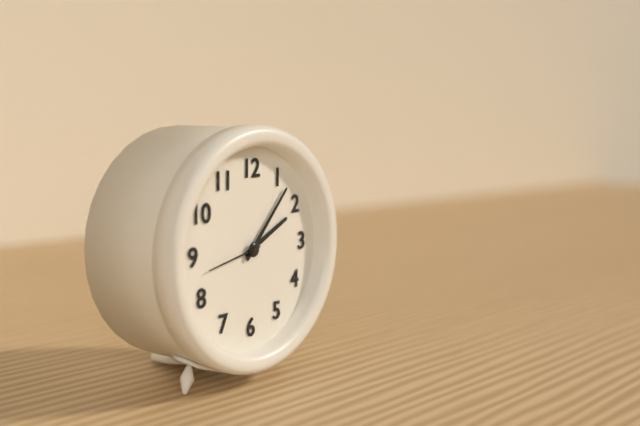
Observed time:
h=2 m=7 s=43
